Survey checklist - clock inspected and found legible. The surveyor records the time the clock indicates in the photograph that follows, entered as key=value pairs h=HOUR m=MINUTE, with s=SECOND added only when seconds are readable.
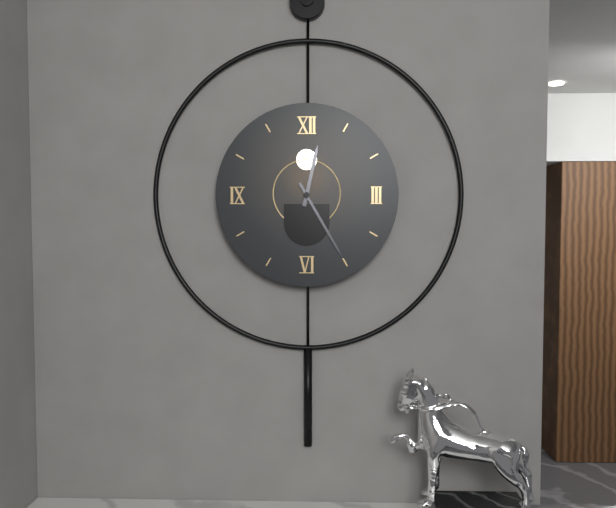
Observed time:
h=12 m=25
